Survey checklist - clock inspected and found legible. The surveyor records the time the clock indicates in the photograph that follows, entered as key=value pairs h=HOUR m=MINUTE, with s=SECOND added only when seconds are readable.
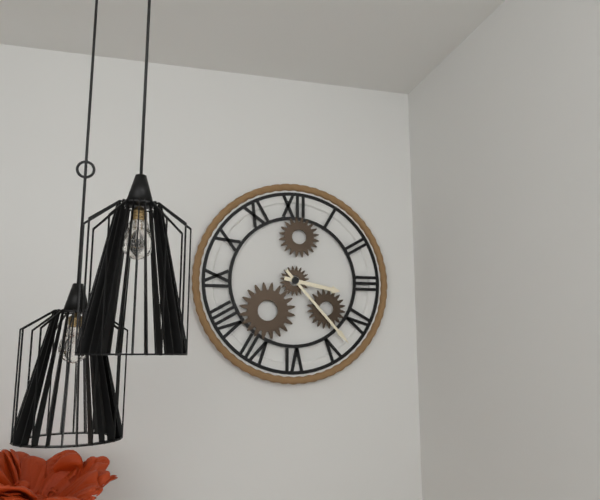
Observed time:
h=3 m=23
